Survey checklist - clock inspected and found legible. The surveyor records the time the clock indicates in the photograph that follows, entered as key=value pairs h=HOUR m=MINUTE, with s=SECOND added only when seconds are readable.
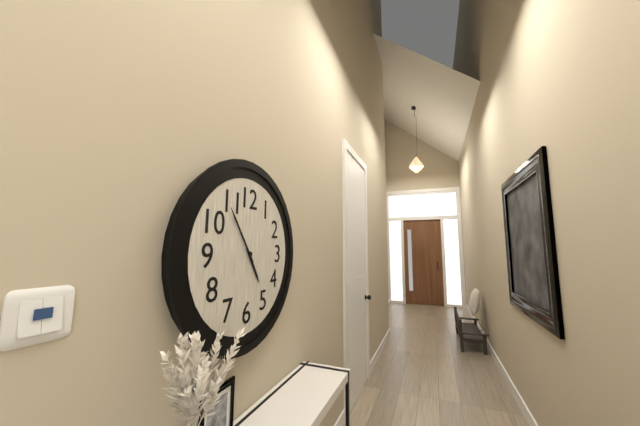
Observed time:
h=4 m=54
